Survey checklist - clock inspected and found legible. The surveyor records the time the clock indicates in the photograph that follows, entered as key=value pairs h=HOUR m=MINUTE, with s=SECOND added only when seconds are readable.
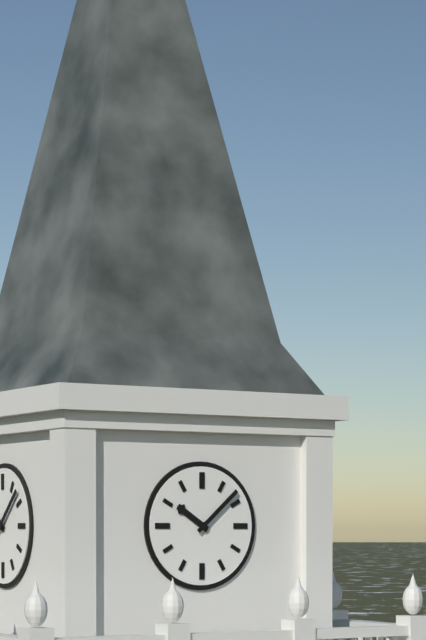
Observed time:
h=10 m=8
